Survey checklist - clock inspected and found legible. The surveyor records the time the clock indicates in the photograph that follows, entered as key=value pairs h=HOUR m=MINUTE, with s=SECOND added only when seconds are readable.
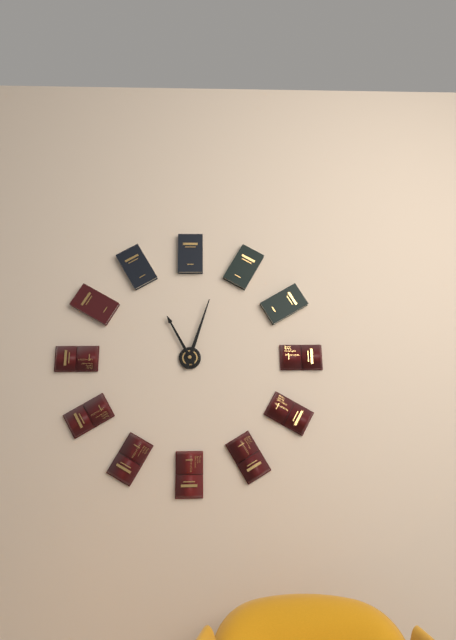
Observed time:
h=11 m=3
